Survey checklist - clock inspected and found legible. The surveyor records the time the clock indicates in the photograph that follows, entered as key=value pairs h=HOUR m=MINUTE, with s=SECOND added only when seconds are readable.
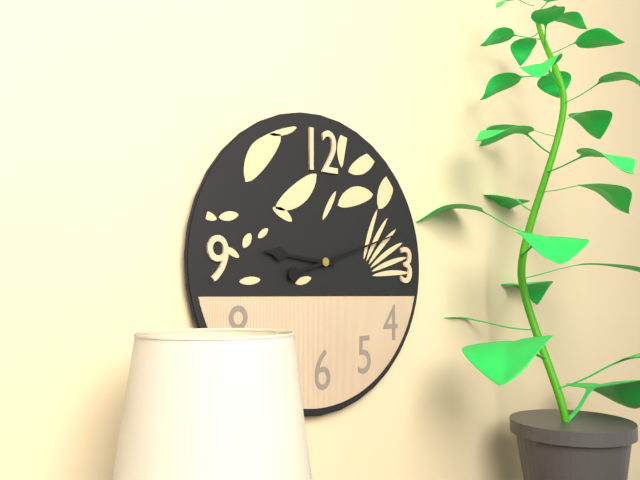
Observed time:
h=9 m=12
